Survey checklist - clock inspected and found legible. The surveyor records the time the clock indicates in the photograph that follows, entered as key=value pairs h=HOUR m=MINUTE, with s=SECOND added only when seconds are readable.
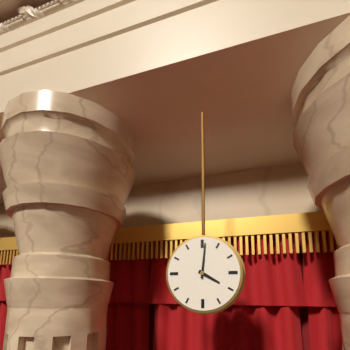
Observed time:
h=4 m=1
